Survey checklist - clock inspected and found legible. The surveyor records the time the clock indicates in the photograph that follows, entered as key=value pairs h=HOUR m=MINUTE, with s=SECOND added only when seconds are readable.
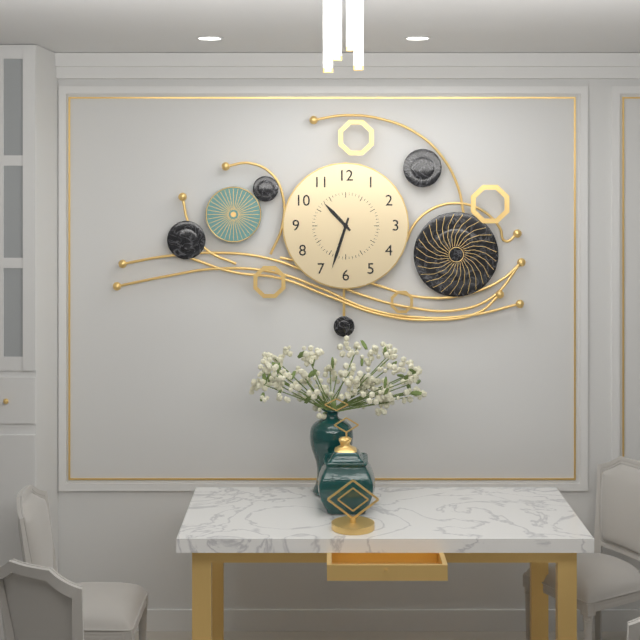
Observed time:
h=10 m=33
